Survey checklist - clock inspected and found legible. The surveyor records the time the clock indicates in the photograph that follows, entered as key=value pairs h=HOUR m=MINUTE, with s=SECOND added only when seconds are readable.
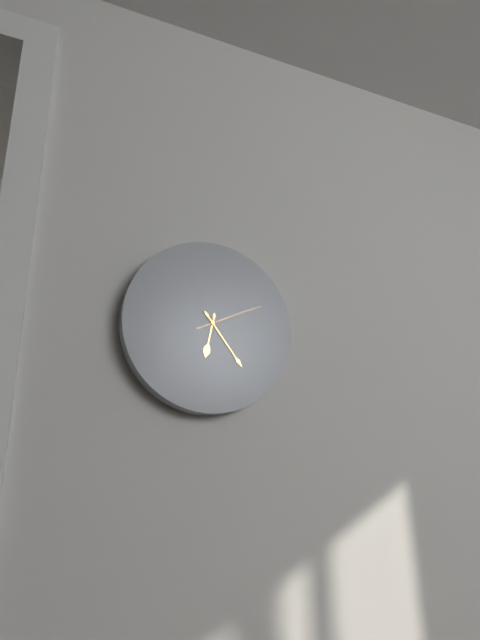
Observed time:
h=6 m=24 s=11
